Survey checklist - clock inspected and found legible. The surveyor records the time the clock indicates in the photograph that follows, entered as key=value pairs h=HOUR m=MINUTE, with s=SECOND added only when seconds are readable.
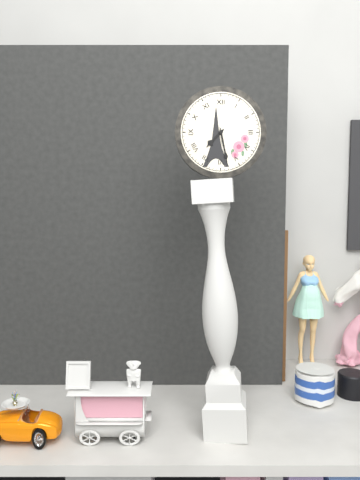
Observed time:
h=7 m=28
